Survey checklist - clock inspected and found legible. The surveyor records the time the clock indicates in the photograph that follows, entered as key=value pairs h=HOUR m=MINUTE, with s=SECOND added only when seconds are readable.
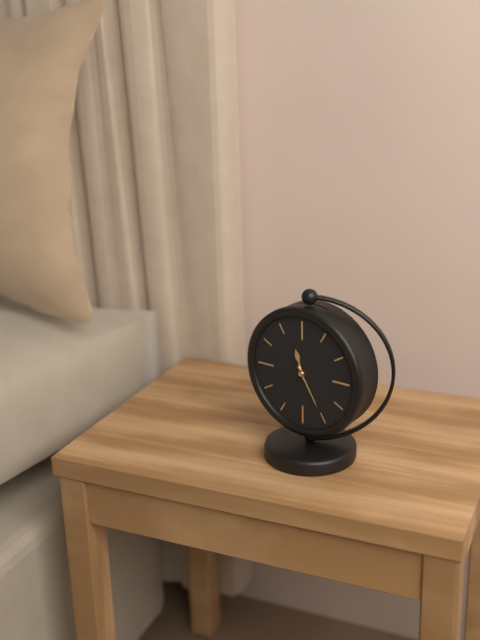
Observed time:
h=11 m=25
